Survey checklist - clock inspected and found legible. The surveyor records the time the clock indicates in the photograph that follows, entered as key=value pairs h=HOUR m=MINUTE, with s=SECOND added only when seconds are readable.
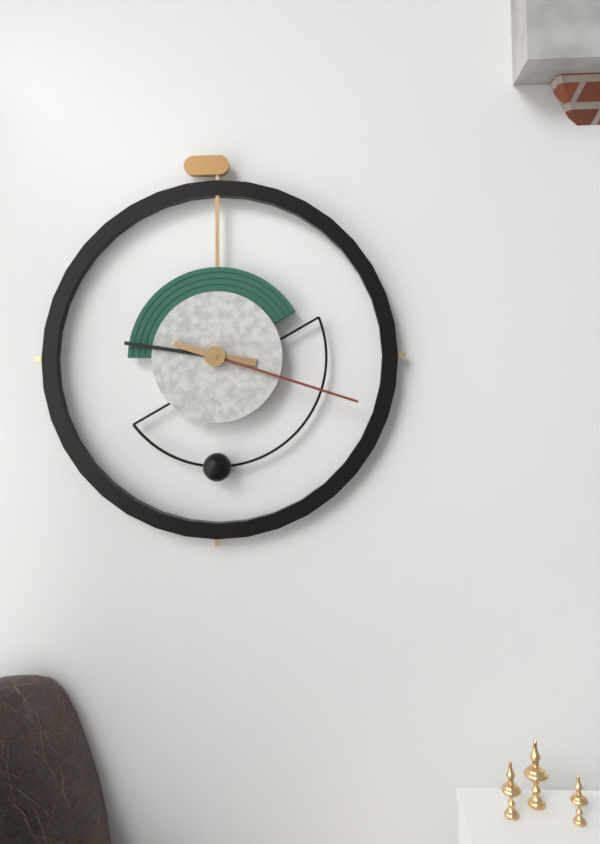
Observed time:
h=9 m=18
